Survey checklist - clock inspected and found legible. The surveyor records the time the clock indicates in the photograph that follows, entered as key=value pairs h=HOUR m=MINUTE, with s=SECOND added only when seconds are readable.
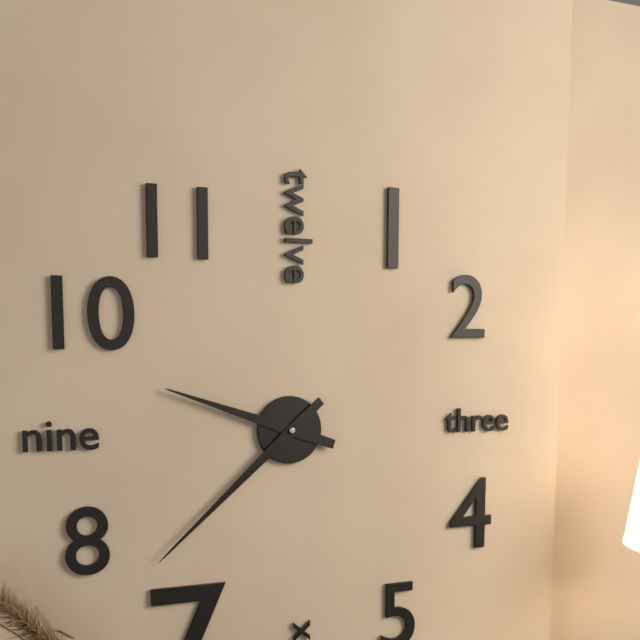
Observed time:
h=9 m=38
